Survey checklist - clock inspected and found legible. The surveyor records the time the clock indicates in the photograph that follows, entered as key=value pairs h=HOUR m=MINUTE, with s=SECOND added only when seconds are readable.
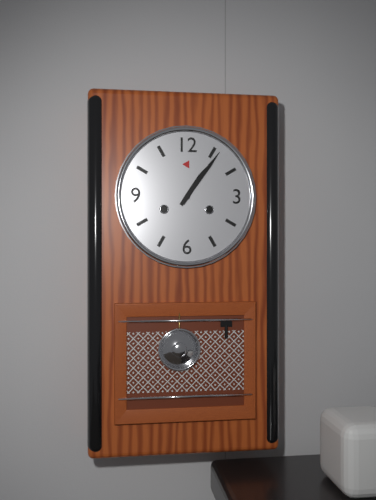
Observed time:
h=1 m=6
